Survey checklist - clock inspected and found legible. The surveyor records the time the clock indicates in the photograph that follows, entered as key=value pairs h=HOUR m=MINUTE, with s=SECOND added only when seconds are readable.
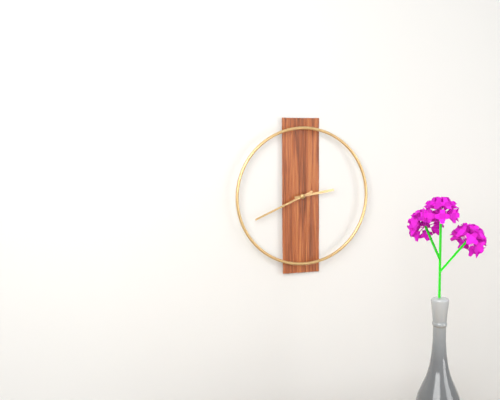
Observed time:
h=2 m=41
